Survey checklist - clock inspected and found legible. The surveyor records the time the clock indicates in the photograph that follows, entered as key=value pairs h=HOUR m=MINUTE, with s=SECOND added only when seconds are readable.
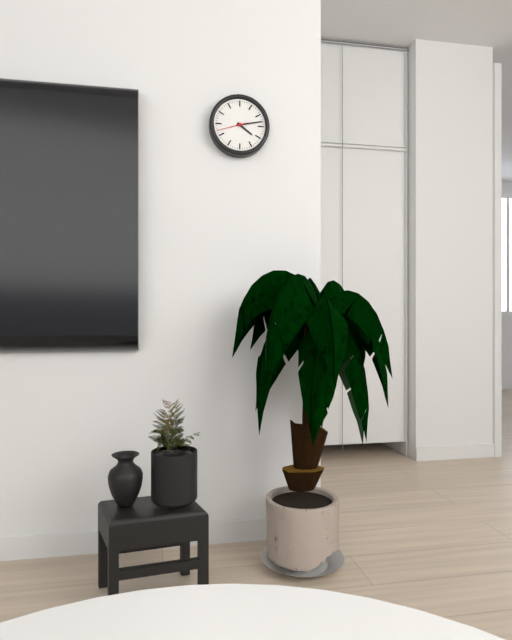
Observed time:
h=4 m=13
